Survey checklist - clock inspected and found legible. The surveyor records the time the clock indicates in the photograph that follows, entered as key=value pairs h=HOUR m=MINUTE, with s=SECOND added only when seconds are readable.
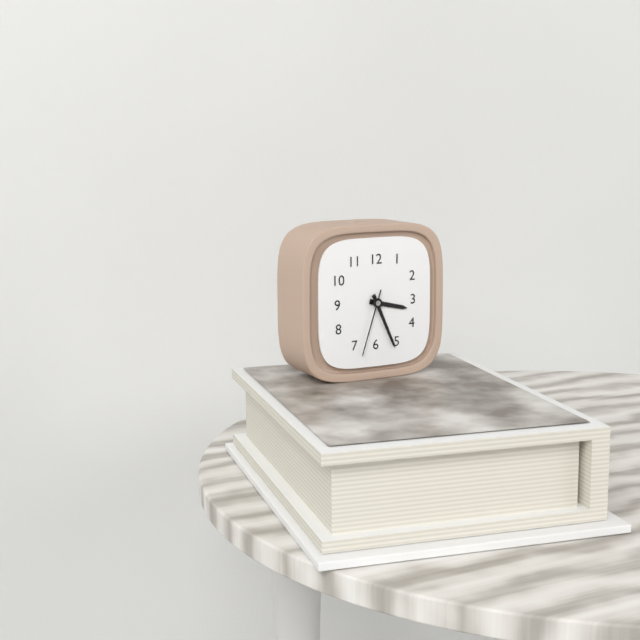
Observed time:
h=3 m=26 s=33
